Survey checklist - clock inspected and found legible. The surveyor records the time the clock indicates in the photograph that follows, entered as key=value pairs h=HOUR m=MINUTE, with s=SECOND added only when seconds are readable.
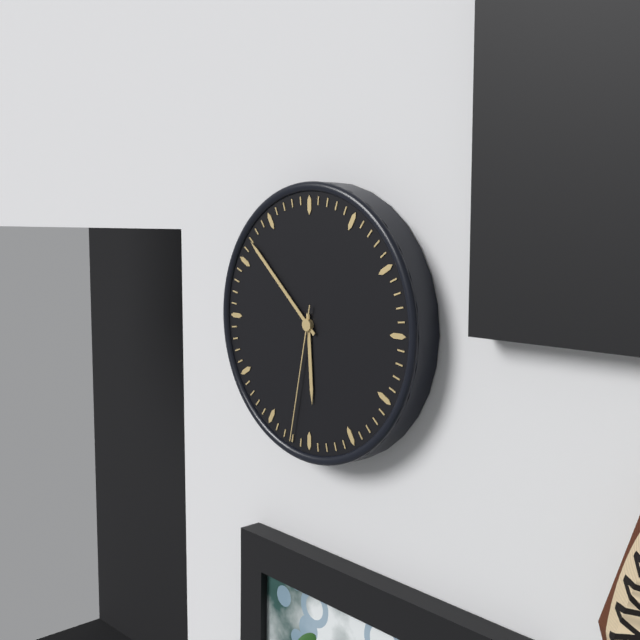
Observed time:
h=5 m=52 s=32
